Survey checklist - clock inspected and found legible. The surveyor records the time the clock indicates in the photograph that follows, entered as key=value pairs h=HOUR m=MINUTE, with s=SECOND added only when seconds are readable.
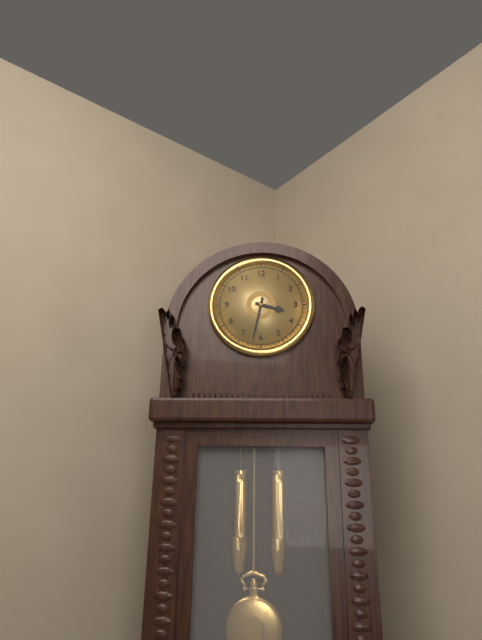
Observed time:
h=3 m=32
